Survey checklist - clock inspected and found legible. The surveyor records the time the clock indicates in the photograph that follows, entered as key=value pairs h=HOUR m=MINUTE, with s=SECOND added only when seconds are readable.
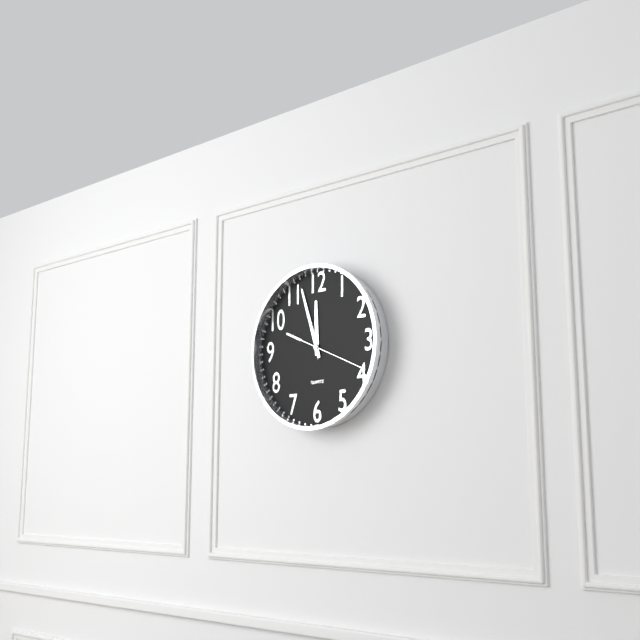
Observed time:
h=11 m=57 s=19
